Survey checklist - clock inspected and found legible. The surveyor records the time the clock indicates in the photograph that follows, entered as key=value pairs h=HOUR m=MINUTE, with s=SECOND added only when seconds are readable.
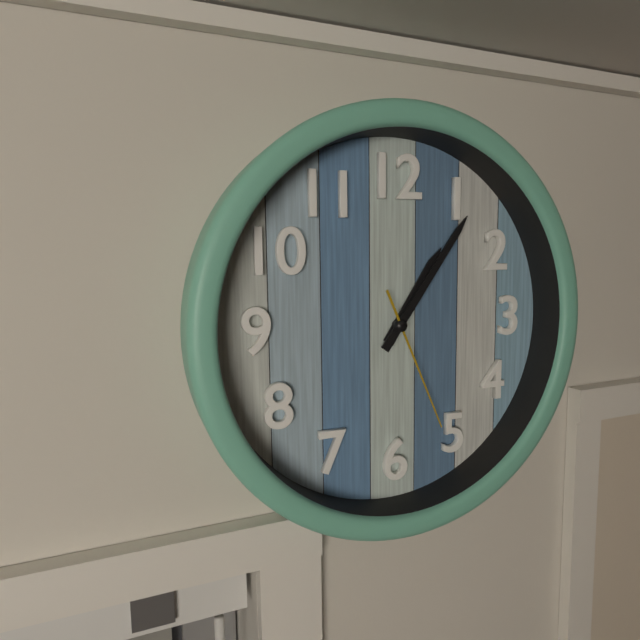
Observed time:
h=1 m=6 s=26
